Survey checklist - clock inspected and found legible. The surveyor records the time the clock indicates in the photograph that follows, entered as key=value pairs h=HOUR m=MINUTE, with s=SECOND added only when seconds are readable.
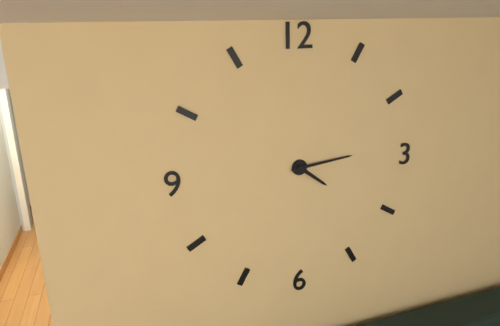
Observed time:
h=4 m=14
